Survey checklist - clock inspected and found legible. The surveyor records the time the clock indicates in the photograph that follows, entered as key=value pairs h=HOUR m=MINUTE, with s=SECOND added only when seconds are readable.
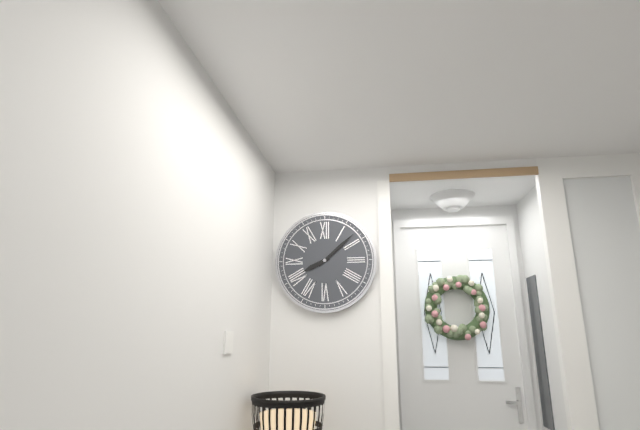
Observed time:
h=8 m=8
